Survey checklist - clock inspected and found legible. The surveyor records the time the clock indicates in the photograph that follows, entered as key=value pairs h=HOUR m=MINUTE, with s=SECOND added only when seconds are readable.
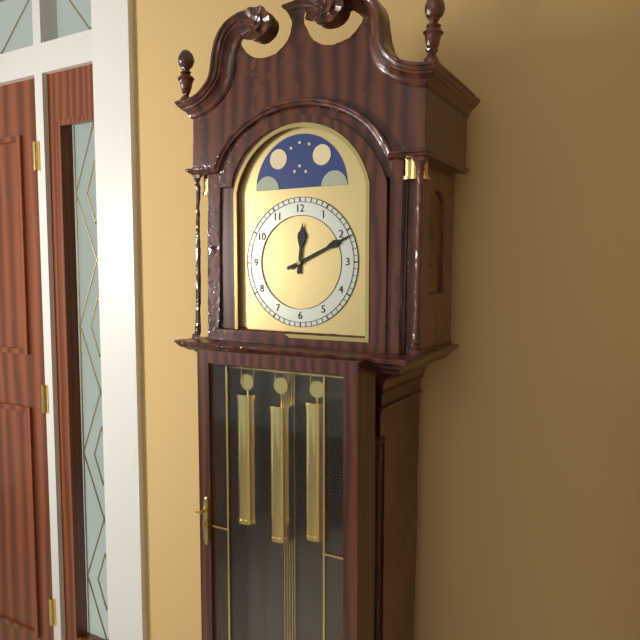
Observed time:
h=12 m=11
